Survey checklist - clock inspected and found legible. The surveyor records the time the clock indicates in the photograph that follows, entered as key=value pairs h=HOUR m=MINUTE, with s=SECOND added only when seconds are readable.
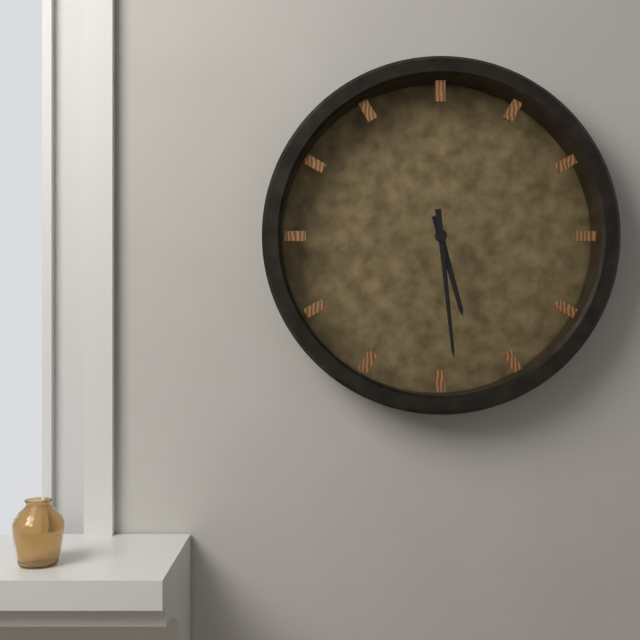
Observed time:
h=5 m=29
